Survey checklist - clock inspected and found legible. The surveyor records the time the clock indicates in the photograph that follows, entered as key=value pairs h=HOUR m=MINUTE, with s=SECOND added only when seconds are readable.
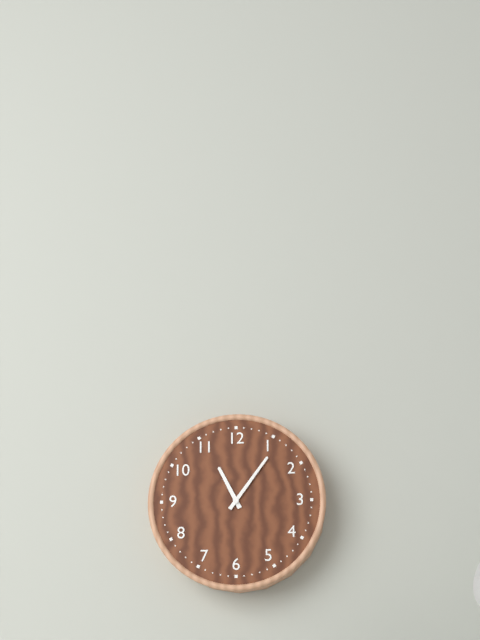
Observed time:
h=11 m=6
